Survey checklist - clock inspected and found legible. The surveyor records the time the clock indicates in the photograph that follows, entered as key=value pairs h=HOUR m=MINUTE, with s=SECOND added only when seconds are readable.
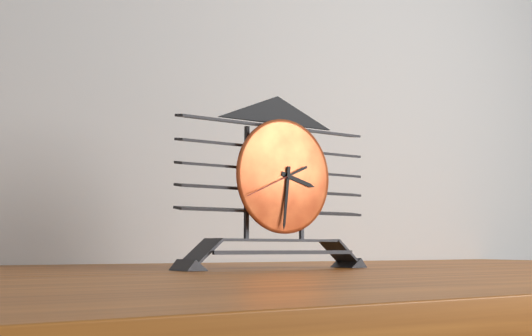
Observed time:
h=3 m=31 s=41
